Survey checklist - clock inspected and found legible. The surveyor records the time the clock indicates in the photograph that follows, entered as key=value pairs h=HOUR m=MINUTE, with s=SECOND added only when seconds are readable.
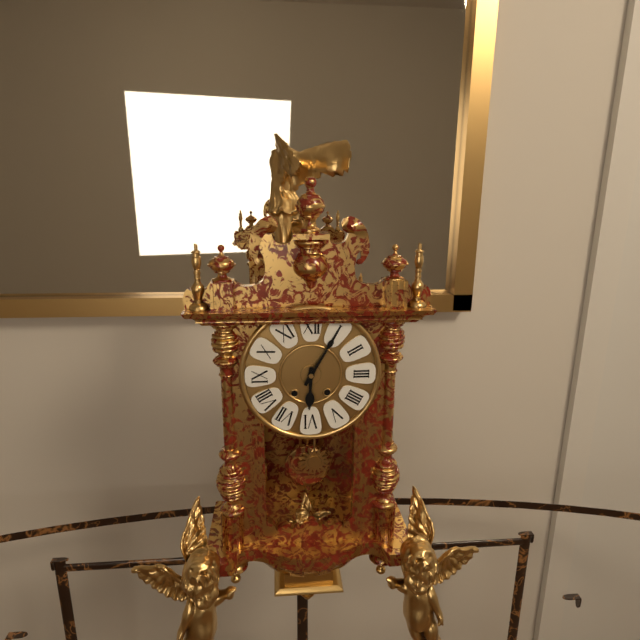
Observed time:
h=6 m=5
